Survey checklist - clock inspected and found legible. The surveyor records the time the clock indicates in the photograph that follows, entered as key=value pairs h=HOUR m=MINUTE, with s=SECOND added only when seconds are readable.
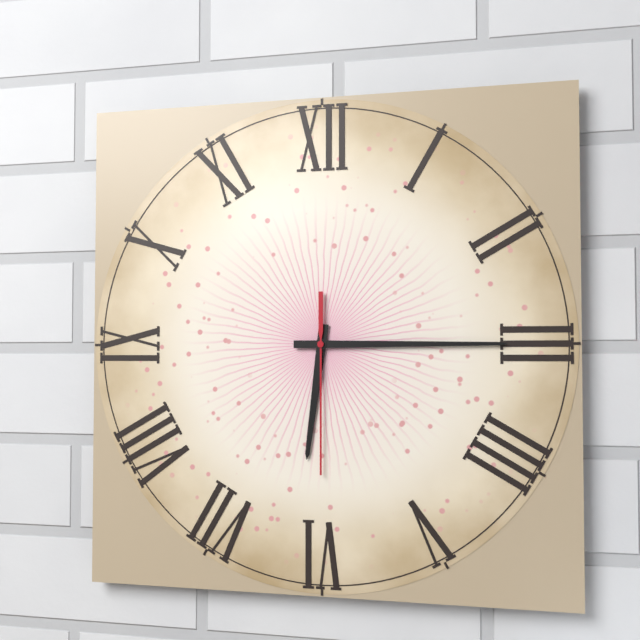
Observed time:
h=6 m=15 s=30
